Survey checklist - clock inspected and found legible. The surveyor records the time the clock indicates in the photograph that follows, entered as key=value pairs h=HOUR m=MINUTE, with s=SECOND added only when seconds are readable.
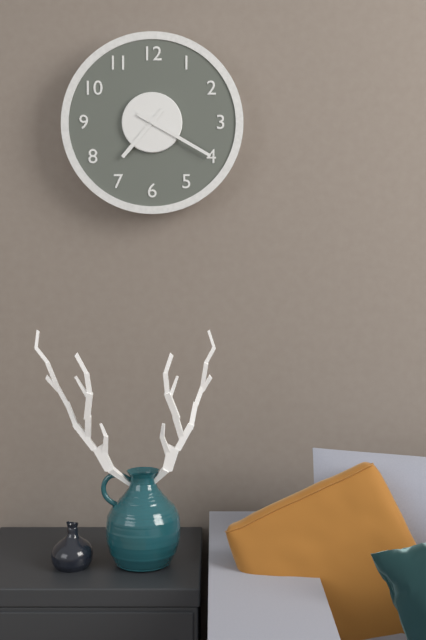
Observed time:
h=7 m=20
